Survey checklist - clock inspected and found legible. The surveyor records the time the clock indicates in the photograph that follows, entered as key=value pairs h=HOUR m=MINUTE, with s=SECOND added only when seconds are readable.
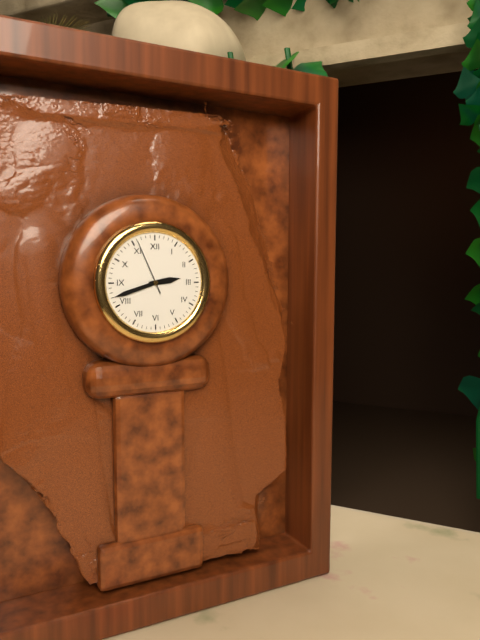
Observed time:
h=2 m=42 s=56
